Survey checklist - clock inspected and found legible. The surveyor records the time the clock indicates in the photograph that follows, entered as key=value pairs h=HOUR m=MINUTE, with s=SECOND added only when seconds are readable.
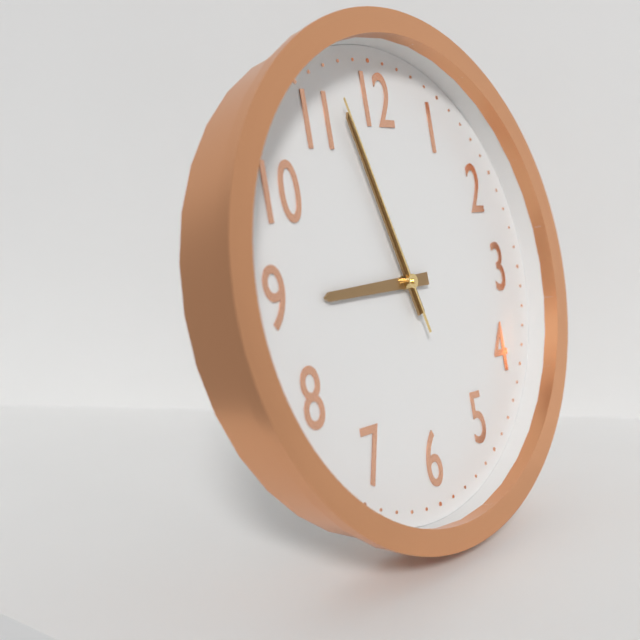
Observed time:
h=8 m=57 s=57
